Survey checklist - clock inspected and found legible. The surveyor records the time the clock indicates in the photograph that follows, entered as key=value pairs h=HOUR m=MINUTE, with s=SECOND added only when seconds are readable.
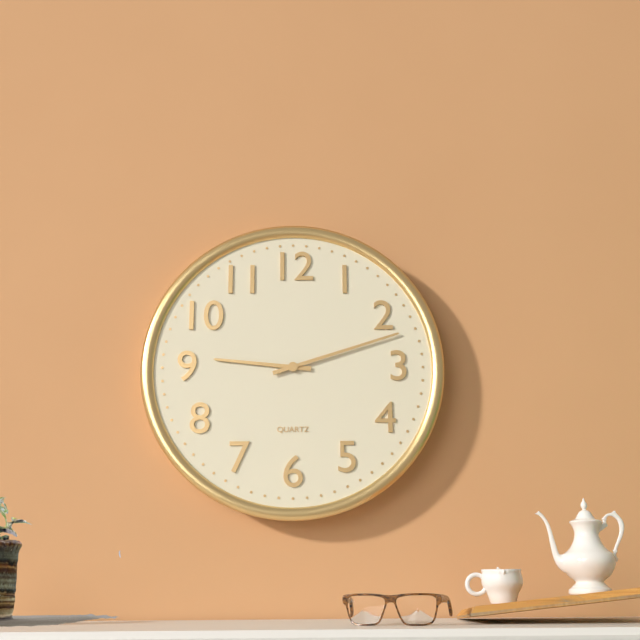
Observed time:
h=9 m=12
